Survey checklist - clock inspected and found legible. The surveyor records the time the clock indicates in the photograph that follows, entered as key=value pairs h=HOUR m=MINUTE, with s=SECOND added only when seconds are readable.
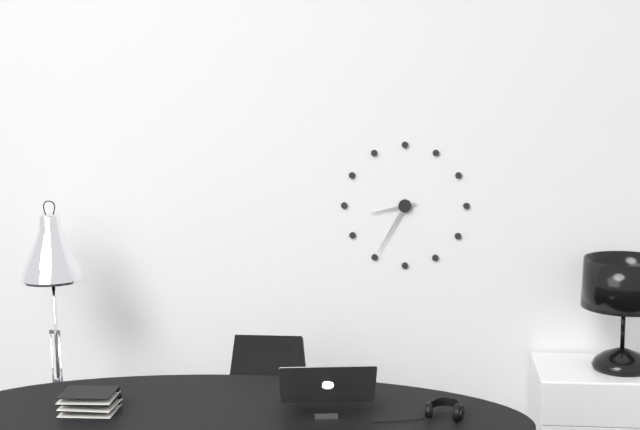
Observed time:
h=8 m=35
